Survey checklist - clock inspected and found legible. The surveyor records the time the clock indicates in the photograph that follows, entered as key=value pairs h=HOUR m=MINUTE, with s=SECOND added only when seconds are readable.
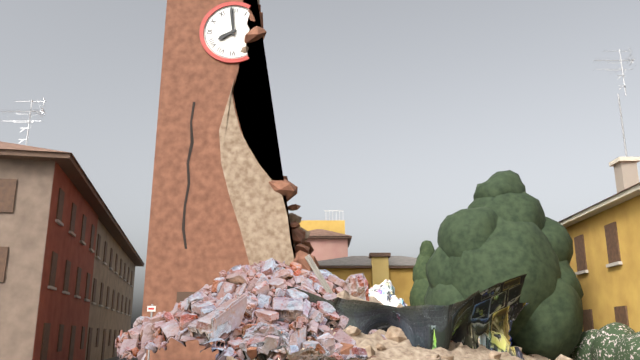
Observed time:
h=7 m=59
